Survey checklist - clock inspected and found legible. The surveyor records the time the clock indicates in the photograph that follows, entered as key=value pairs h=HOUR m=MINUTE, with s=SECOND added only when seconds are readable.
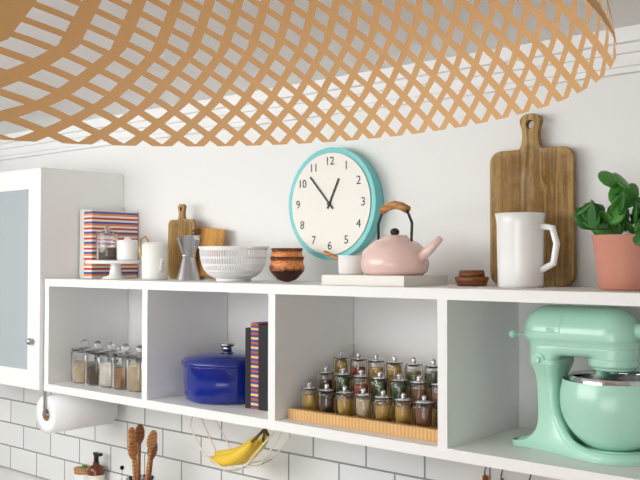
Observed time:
h=12 m=53
